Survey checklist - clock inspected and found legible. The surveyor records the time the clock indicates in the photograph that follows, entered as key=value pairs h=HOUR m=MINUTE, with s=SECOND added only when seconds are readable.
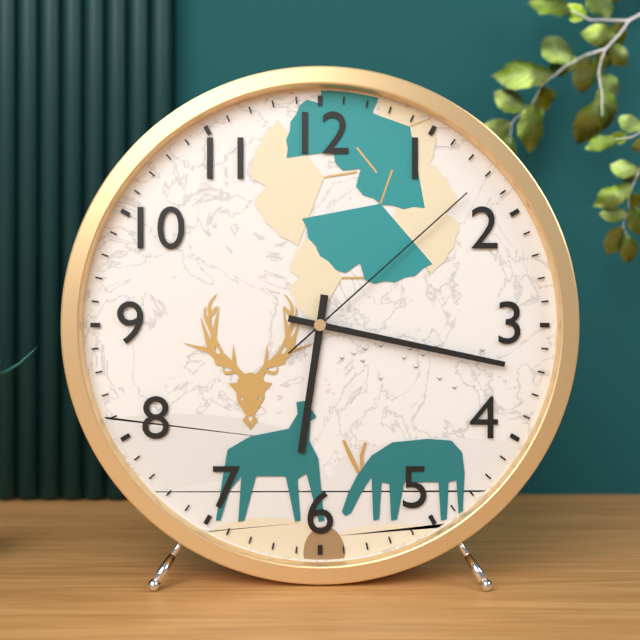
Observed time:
h=6 m=17 s=8
